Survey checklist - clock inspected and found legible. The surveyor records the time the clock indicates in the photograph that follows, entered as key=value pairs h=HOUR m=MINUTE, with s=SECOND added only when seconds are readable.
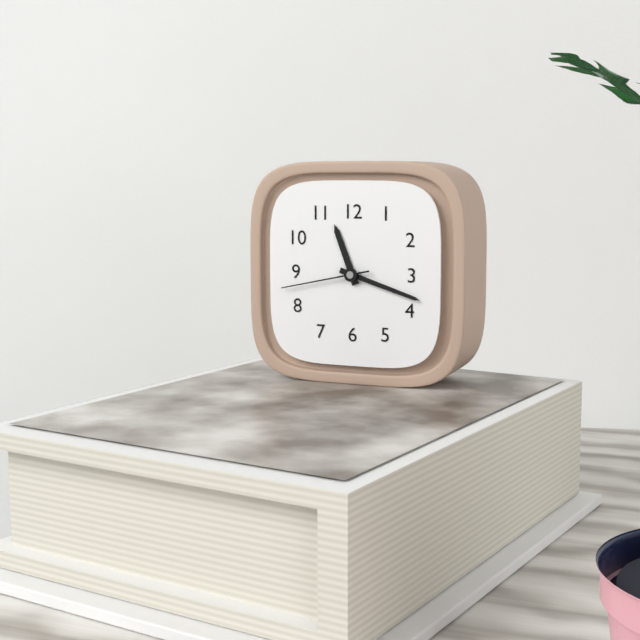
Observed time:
h=11 m=18 s=43
